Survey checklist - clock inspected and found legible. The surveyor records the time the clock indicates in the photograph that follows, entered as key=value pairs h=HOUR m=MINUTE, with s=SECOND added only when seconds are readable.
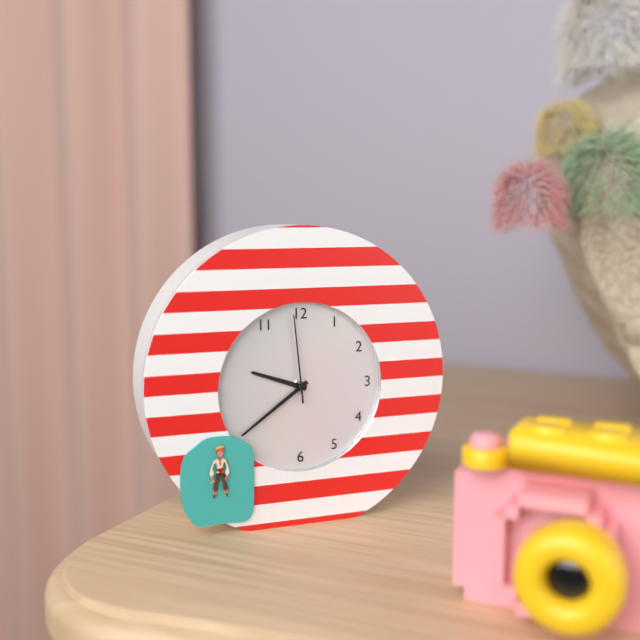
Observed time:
h=9 m=39 s=59
